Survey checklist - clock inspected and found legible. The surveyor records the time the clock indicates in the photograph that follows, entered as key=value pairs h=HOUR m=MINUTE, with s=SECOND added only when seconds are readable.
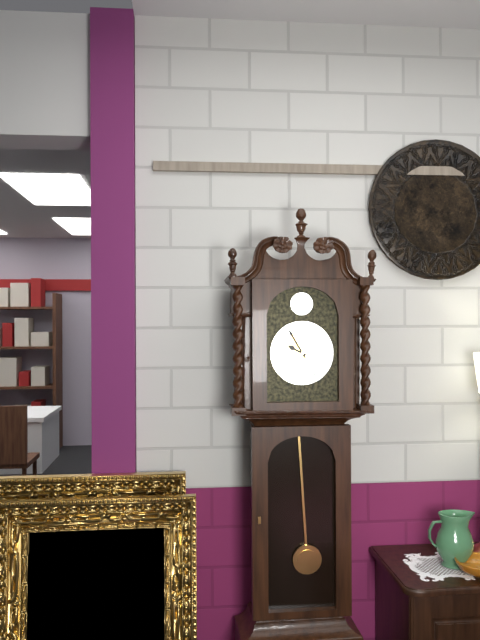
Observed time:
h=9 m=55
